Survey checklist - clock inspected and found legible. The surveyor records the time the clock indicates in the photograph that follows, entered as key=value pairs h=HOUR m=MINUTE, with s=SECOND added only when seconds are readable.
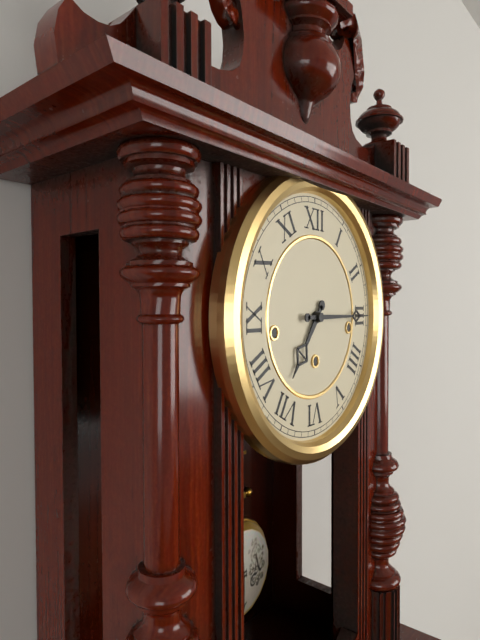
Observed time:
h=7 m=15
